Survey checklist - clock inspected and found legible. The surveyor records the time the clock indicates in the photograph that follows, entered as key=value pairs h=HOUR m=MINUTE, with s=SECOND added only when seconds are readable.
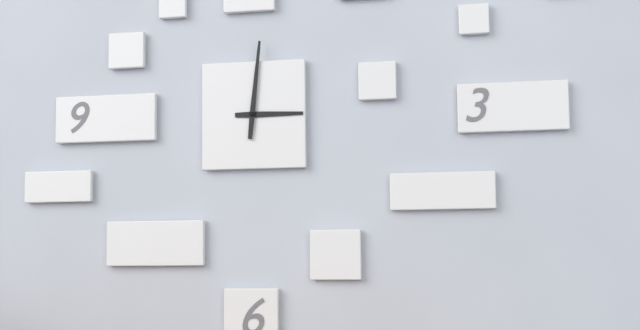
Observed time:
h=3 m=1
